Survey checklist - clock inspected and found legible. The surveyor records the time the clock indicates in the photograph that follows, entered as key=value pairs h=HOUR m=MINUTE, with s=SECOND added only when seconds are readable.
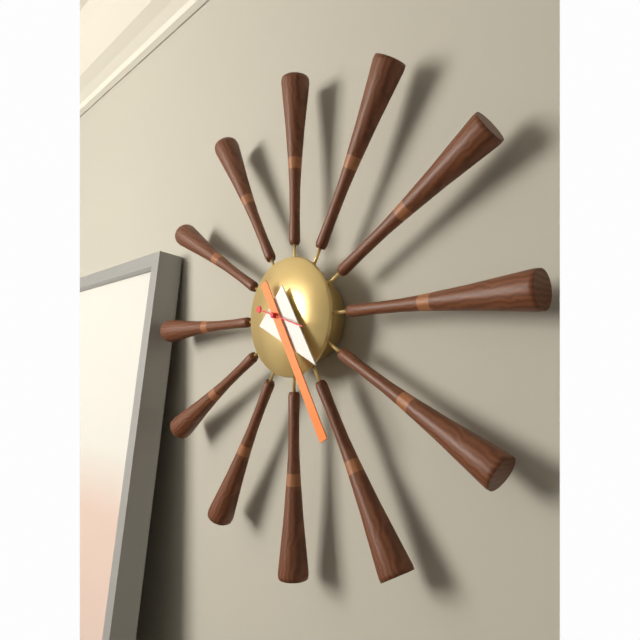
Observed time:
h=4 m=25
